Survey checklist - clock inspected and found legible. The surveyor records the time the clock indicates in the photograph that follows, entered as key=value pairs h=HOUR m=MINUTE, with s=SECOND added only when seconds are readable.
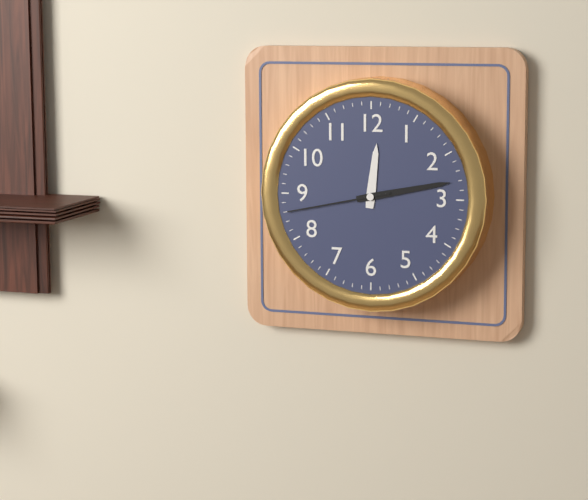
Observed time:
h=12 m=13 s=43
